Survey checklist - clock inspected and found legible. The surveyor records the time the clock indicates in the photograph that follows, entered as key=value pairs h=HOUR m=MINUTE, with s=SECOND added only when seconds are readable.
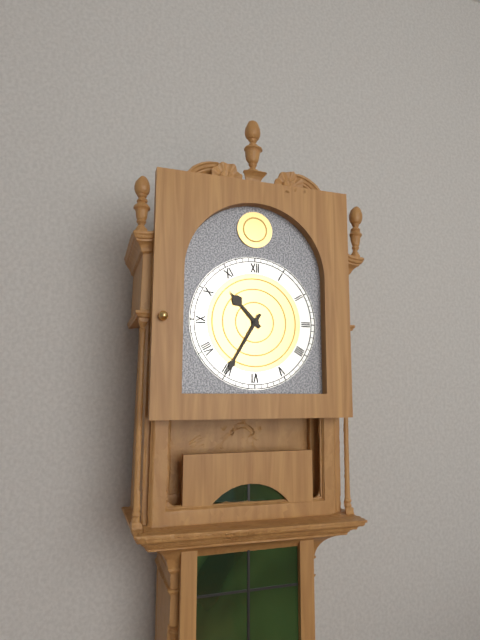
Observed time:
h=10 m=35
